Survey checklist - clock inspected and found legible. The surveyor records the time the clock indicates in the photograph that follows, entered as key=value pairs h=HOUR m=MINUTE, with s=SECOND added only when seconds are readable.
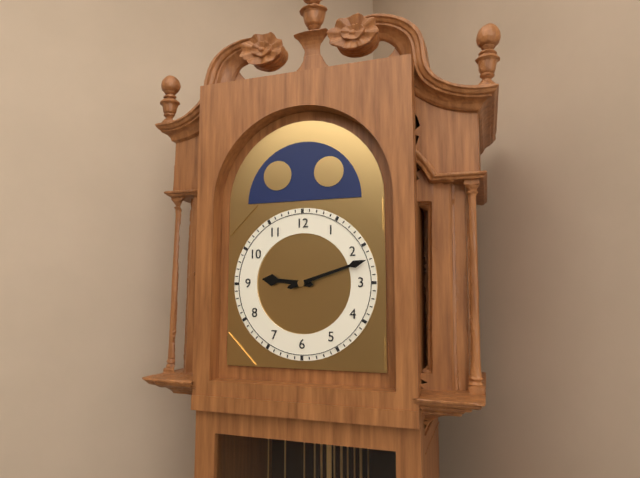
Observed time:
h=9 m=12
